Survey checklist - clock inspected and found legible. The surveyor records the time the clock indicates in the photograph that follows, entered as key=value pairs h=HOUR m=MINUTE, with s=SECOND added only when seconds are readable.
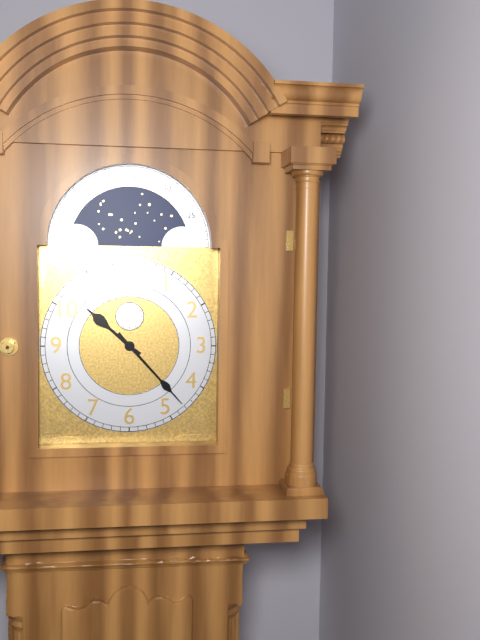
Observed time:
h=10 m=23
